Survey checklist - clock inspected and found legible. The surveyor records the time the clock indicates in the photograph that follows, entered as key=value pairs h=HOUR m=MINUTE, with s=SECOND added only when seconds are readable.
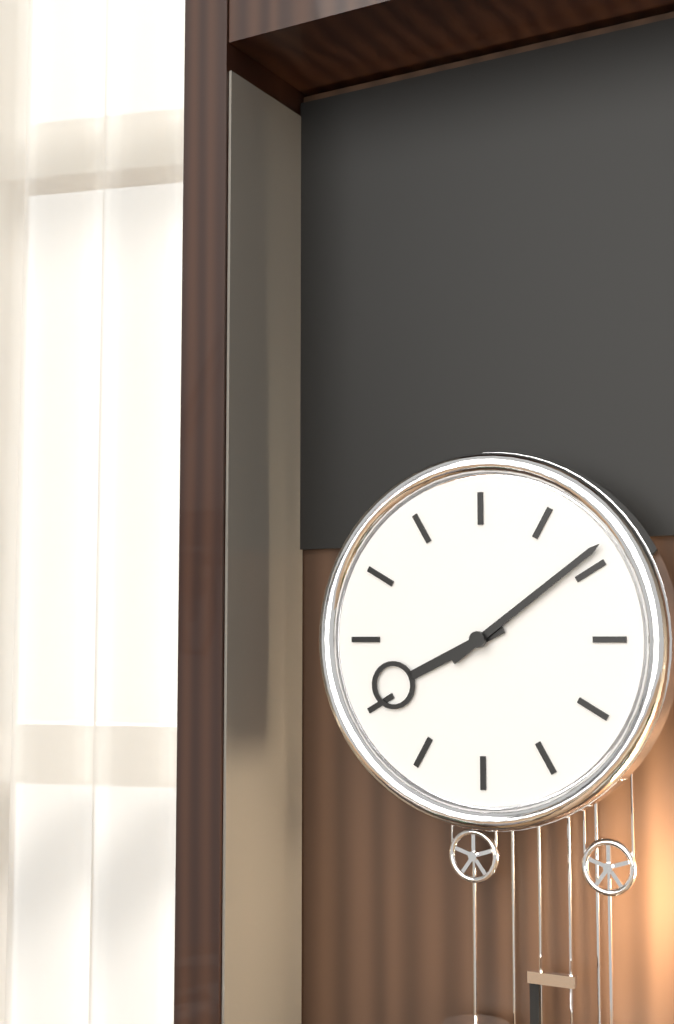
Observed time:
h=8 m=9
